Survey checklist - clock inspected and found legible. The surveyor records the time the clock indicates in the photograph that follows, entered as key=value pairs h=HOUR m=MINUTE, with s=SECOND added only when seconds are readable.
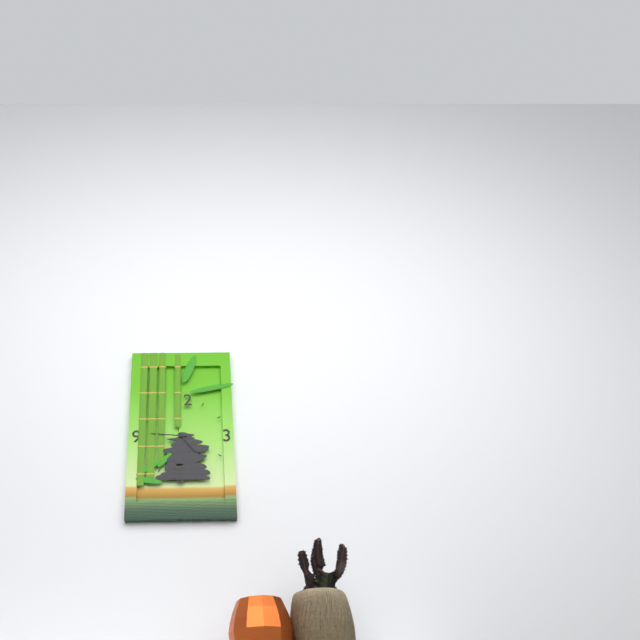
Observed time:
h=4 m=46
